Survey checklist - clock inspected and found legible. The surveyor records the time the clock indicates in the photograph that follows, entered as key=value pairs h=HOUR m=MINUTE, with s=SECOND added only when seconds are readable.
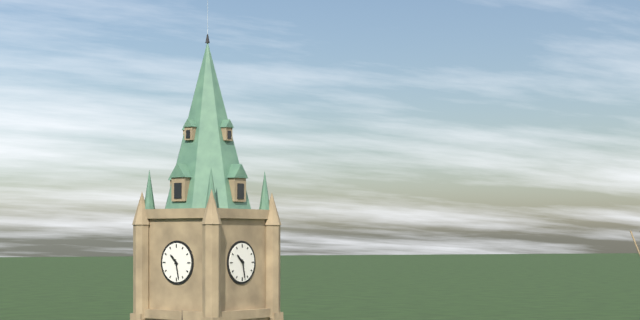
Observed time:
h=10 m=28
